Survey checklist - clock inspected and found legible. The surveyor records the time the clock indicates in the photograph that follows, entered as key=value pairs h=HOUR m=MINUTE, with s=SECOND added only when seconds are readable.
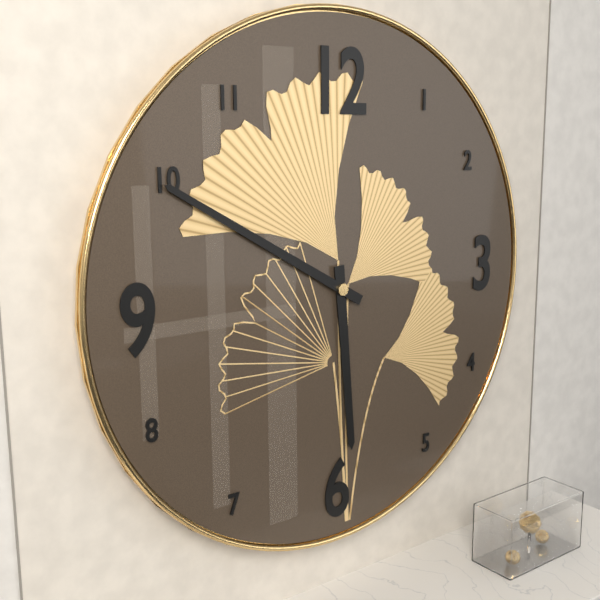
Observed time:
h=5 m=50
